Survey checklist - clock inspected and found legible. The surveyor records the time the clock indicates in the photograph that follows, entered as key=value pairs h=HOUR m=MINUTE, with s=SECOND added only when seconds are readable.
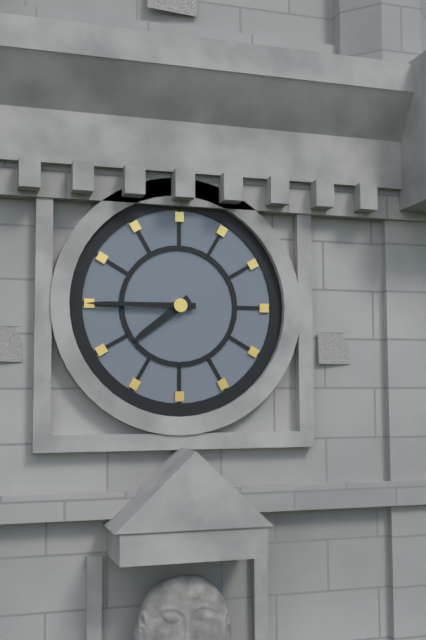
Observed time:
h=7 m=45
